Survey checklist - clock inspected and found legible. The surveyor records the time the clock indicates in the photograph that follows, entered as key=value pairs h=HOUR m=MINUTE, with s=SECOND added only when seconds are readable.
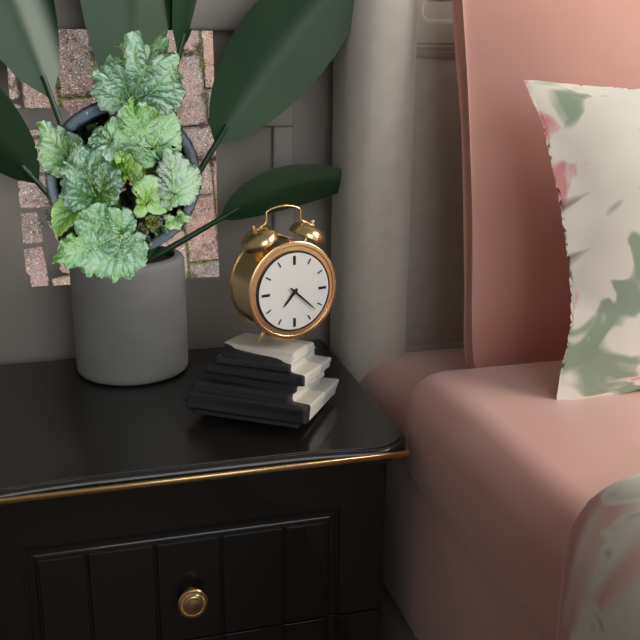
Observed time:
h=7 m=22
